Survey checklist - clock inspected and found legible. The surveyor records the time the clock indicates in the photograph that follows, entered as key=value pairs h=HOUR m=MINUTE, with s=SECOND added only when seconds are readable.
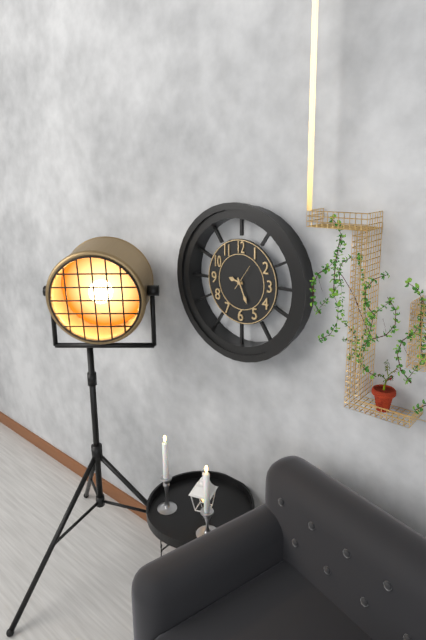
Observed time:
h=9 m=26
